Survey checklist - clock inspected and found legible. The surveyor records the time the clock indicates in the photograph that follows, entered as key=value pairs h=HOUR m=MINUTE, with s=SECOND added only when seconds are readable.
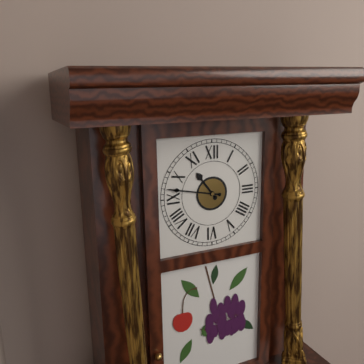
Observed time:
h=10 m=47
